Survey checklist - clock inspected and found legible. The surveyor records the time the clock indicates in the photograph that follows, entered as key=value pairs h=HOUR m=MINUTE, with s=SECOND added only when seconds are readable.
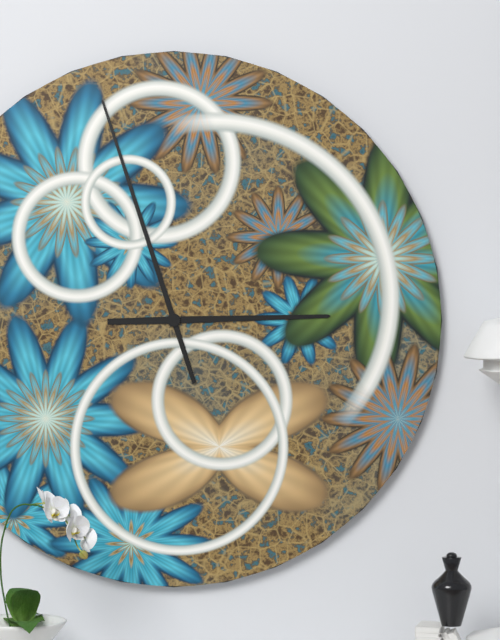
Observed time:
h=2 m=57
